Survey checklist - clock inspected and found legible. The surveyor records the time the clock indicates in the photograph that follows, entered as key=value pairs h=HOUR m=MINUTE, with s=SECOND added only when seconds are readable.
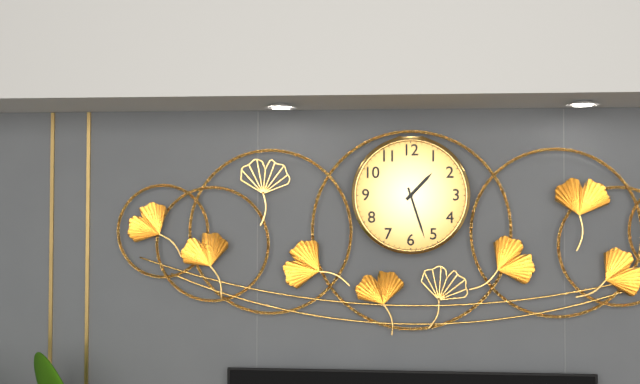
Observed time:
h=1 m=27
